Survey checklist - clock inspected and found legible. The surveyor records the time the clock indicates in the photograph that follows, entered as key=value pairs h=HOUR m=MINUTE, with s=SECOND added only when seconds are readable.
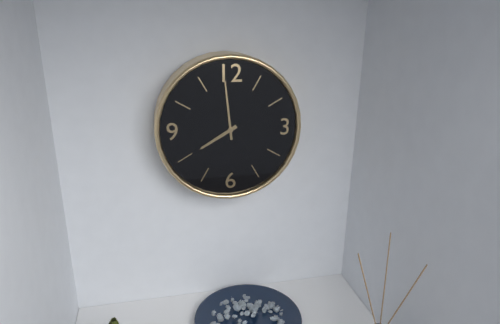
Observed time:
h=7 m=59
